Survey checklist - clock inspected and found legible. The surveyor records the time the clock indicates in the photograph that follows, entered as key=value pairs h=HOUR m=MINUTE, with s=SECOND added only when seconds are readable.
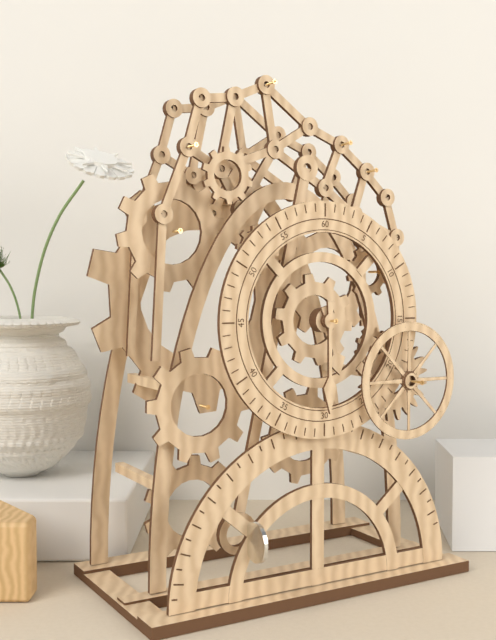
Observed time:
h=5 m=30
